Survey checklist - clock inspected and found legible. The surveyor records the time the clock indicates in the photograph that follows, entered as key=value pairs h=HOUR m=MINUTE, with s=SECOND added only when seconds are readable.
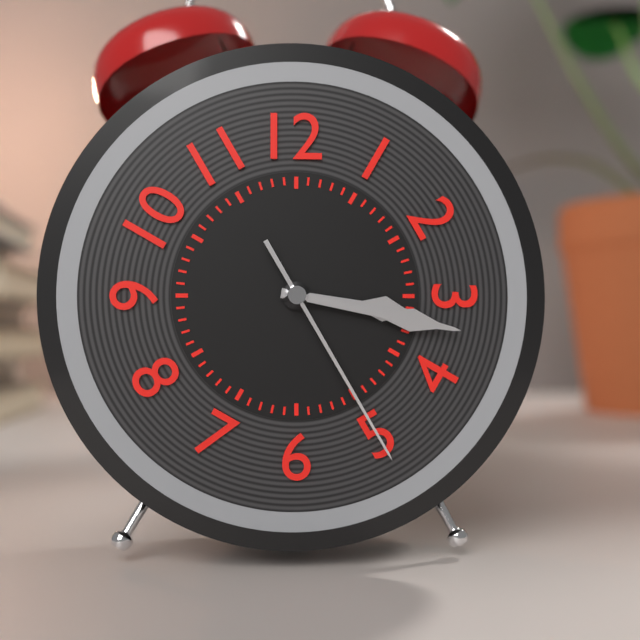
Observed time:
h=3 m=17 s=25
